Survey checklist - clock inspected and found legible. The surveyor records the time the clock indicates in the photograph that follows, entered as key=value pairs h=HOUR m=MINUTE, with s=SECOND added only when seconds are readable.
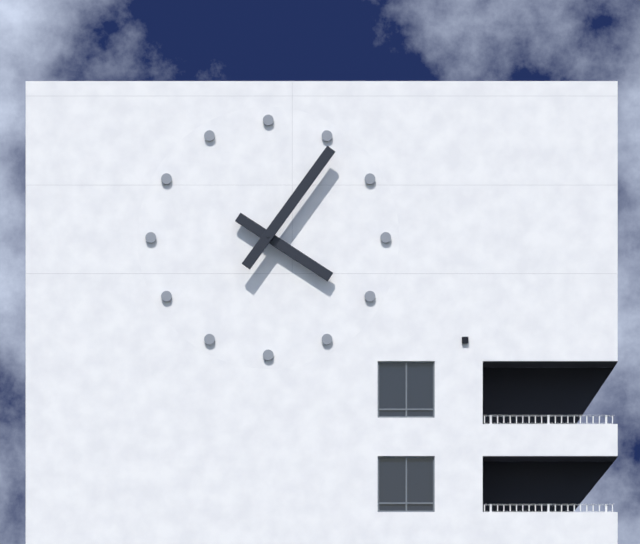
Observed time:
h=4 m=6
